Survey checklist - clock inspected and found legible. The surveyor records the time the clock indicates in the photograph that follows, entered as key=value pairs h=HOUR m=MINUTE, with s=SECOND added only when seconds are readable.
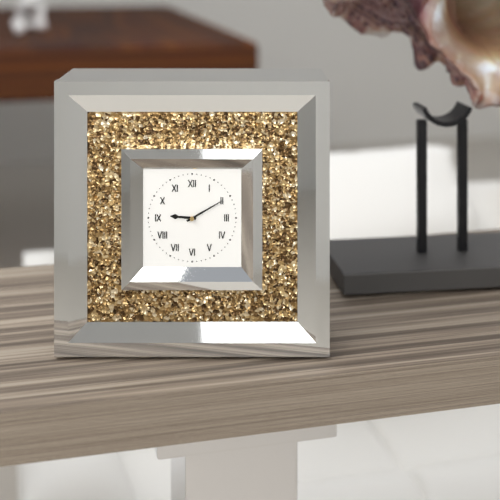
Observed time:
h=9 m=10
